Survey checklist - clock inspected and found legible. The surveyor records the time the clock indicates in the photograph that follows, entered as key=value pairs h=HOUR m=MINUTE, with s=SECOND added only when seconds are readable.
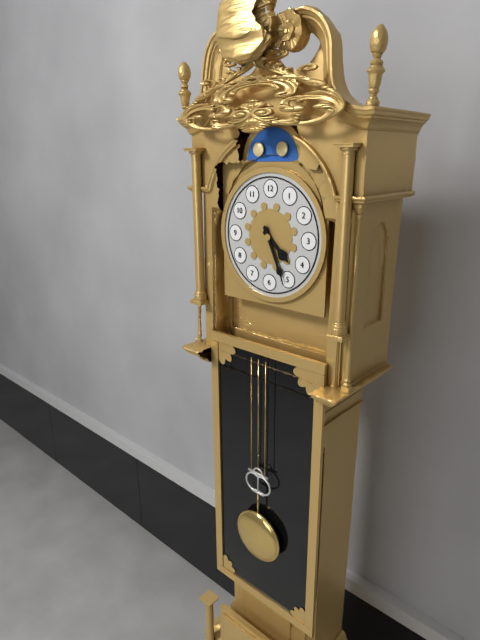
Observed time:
h=4 m=26
